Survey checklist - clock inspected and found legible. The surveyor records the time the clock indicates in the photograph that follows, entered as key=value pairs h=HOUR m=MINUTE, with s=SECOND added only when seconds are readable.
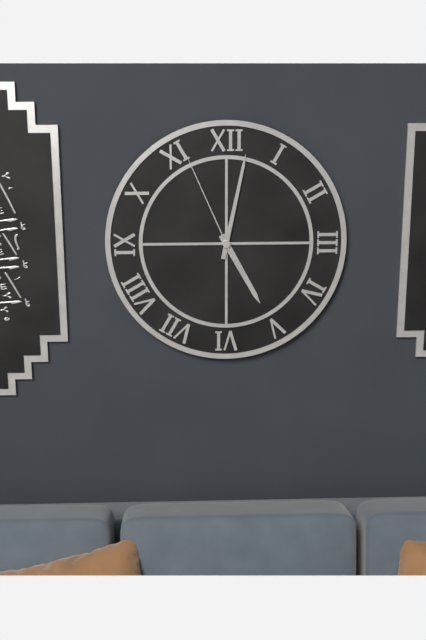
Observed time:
h=5 m=2 s=56
